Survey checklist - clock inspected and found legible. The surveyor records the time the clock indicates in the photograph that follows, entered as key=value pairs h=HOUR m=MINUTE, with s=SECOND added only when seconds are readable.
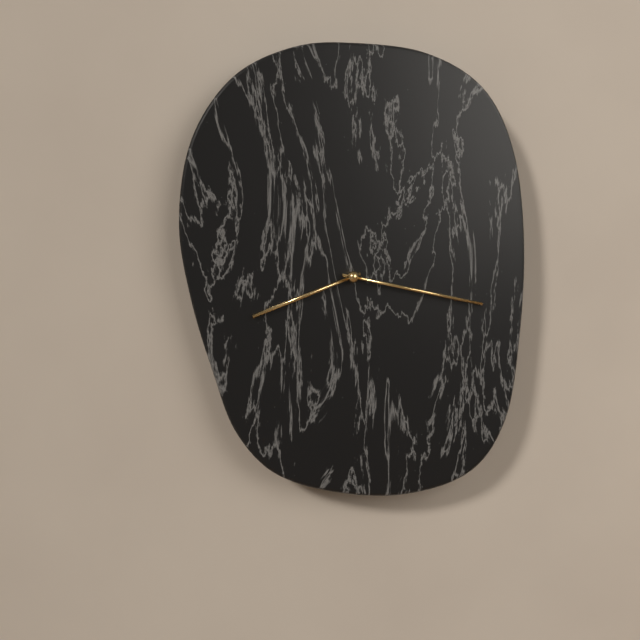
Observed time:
h=8 m=17
